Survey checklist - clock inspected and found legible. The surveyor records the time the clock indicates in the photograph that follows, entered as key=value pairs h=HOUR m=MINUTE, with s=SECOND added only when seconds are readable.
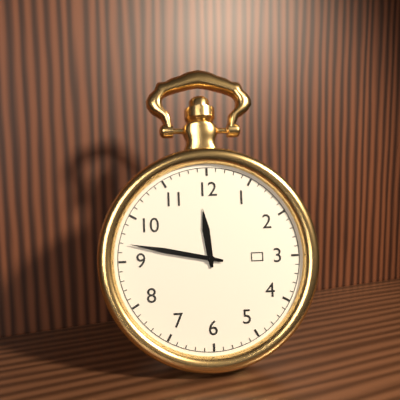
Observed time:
h=11 m=47
